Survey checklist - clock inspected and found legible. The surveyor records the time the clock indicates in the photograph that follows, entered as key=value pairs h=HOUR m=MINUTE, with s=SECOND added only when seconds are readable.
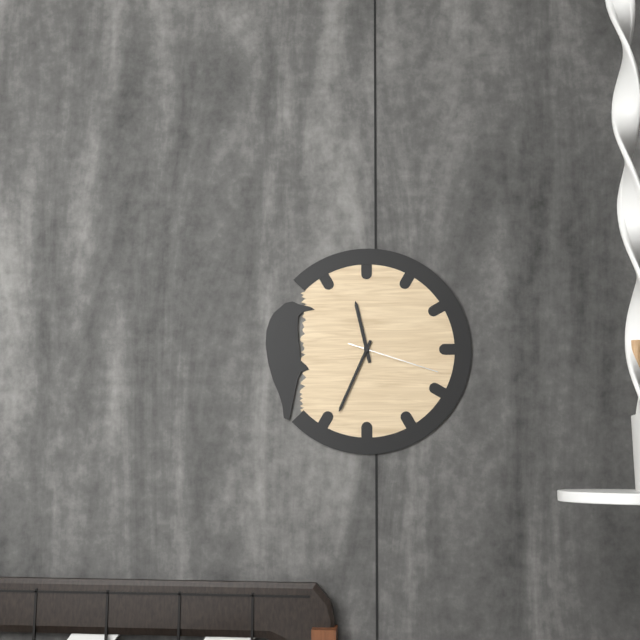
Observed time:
h=11 m=34 s=18
